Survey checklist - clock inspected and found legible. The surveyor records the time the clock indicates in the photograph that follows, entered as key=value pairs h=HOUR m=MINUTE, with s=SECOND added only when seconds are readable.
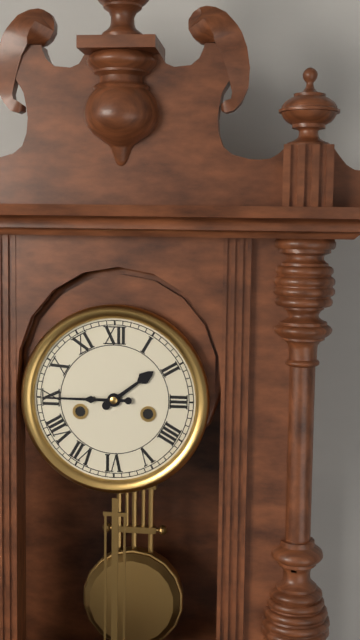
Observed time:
h=1 m=45
